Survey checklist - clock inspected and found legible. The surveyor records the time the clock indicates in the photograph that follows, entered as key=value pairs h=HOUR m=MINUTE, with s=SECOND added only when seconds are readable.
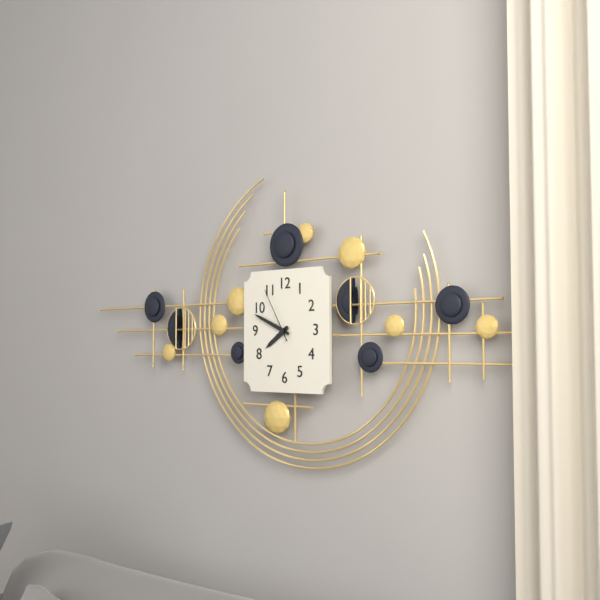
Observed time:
h=7 m=49 s=55
